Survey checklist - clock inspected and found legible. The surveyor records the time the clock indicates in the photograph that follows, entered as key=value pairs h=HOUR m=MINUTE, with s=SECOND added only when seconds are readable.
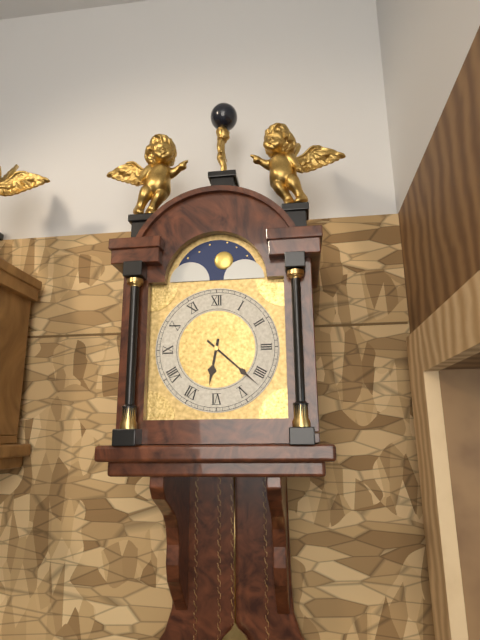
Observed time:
h=6 m=22
